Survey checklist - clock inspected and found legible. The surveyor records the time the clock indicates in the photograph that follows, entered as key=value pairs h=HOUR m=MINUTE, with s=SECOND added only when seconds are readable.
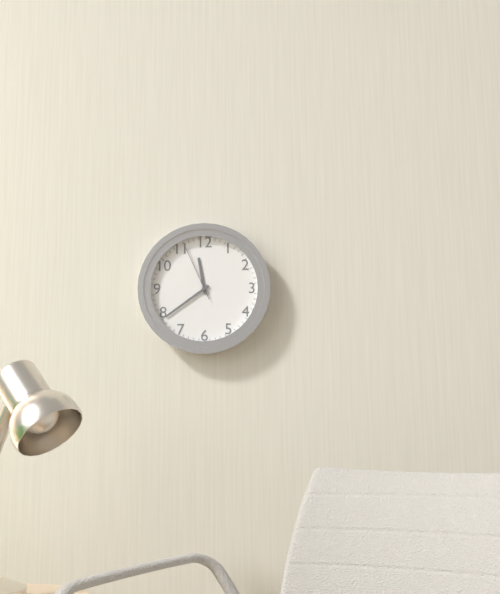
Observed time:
h=11 m=39 s=56
